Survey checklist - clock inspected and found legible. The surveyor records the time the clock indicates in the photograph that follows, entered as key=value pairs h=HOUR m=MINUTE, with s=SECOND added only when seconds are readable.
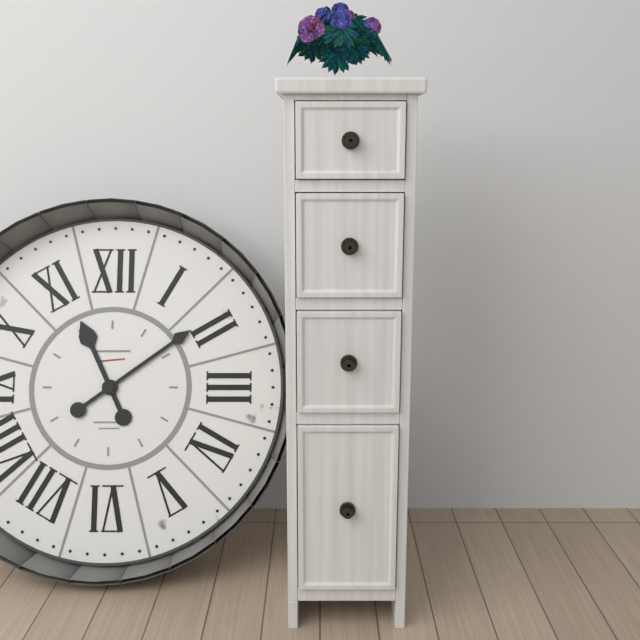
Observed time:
h=11 m=9
